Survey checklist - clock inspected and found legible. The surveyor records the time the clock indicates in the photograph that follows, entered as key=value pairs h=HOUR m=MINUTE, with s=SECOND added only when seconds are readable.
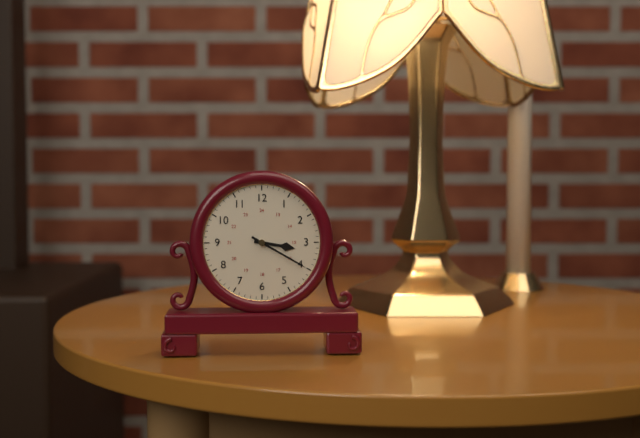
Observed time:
h=3 m=20
